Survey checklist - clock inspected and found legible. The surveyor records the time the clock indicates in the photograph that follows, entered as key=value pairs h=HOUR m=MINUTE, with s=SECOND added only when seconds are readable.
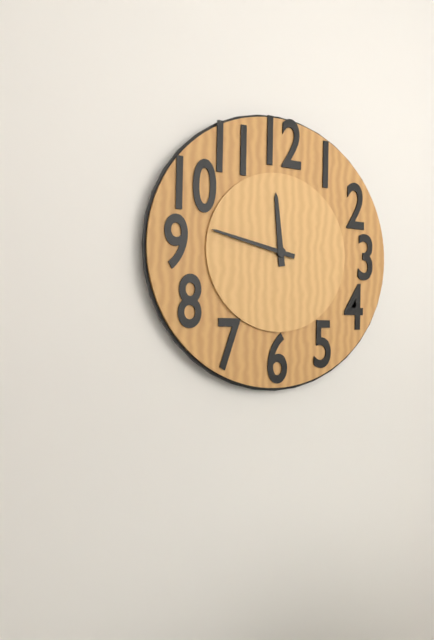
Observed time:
h=11 m=47
